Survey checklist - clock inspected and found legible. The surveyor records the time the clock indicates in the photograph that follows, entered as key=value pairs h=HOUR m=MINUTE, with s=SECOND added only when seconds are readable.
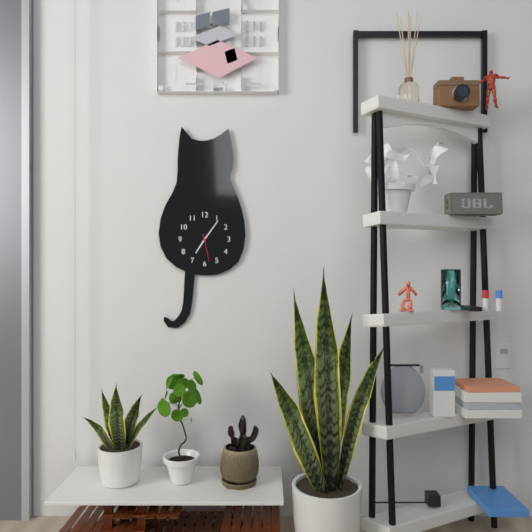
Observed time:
h=7 m=6
